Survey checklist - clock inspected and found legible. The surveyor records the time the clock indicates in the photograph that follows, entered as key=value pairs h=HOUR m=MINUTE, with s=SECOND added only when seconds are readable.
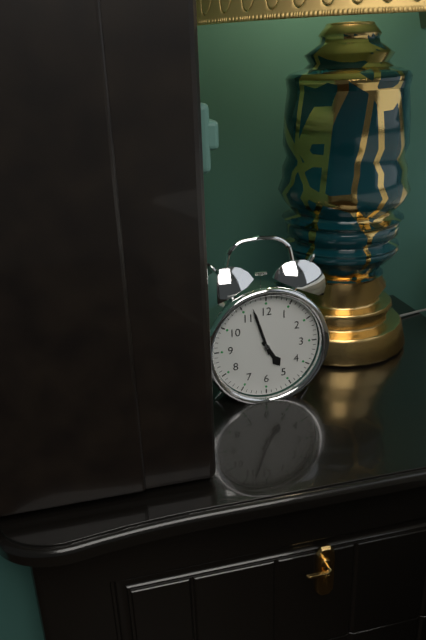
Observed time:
h=4 m=57
